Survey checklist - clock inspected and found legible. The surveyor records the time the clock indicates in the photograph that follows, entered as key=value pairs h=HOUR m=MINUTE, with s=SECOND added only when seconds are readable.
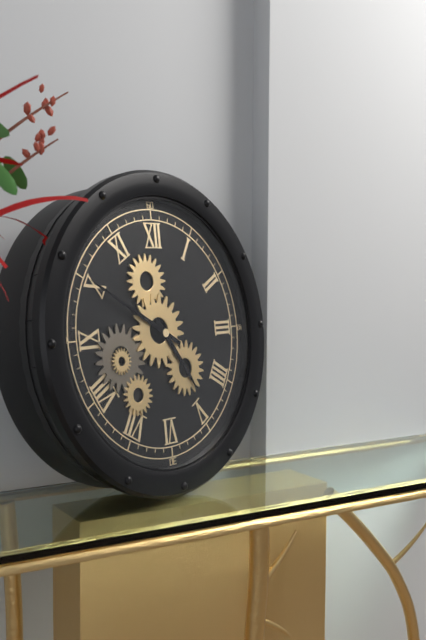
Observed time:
h=4 m=50
